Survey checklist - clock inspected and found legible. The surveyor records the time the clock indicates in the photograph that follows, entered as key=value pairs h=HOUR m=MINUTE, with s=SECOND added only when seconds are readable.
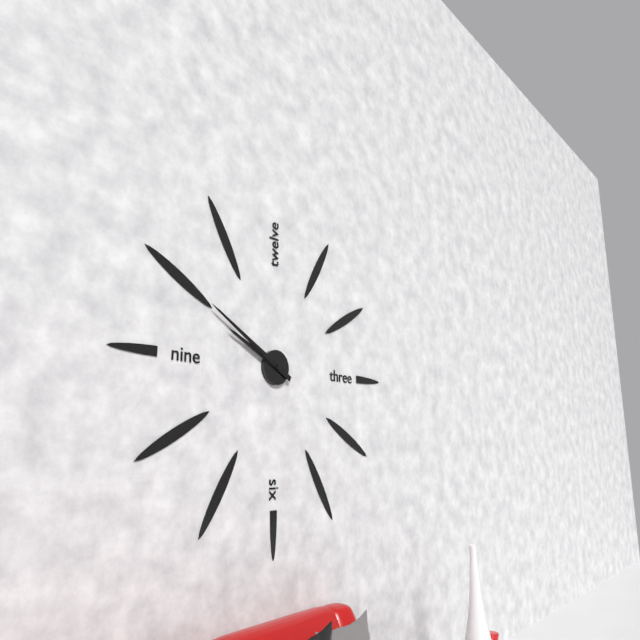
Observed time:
h=9 m=50
